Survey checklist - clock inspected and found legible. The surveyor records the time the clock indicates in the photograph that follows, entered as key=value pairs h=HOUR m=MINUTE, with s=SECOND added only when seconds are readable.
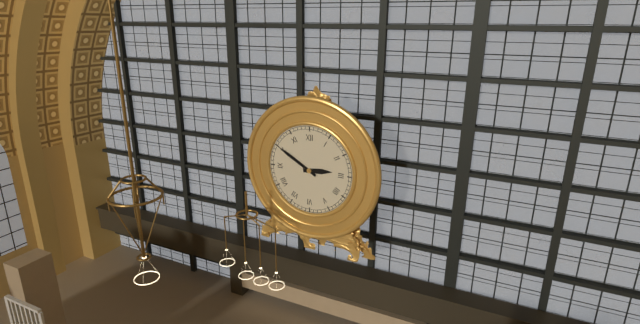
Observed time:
h=2 m=50
